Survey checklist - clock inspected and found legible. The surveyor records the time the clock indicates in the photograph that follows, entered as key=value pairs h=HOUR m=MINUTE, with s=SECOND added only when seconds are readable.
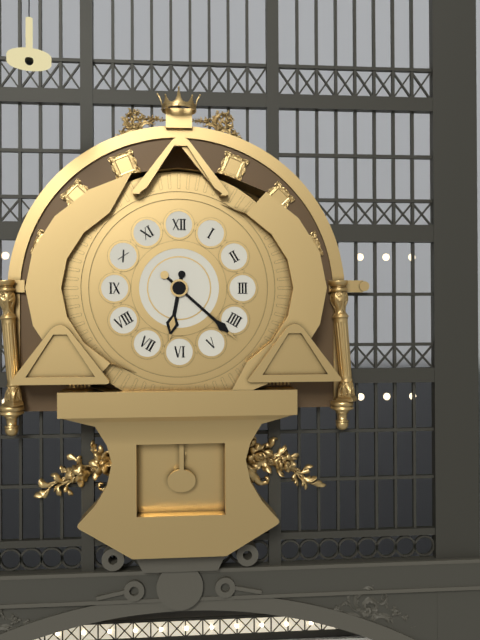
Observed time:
h=6 m=22
